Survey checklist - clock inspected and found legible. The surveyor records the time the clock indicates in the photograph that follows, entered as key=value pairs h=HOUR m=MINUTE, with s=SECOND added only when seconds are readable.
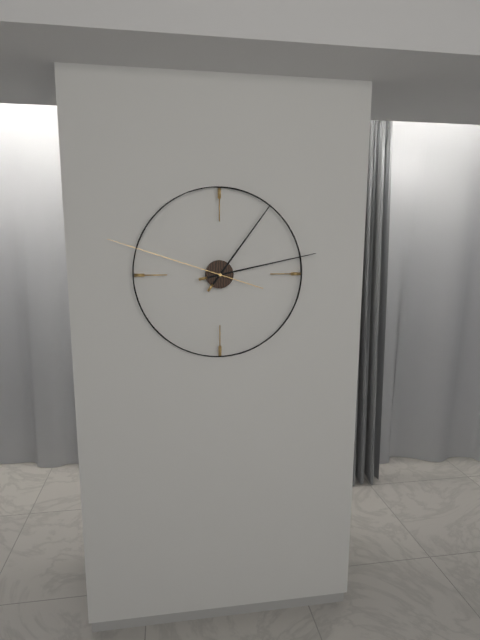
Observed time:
h=1 m=13 s=48
